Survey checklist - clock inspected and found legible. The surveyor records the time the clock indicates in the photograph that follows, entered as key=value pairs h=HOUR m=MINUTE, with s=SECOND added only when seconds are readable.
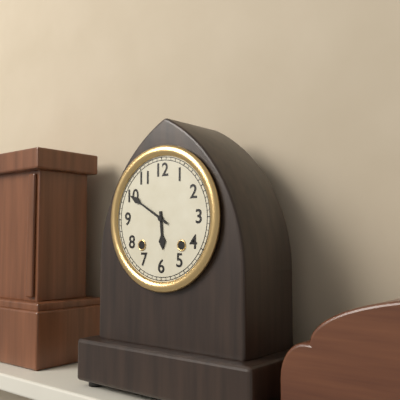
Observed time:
h=5 m=50
